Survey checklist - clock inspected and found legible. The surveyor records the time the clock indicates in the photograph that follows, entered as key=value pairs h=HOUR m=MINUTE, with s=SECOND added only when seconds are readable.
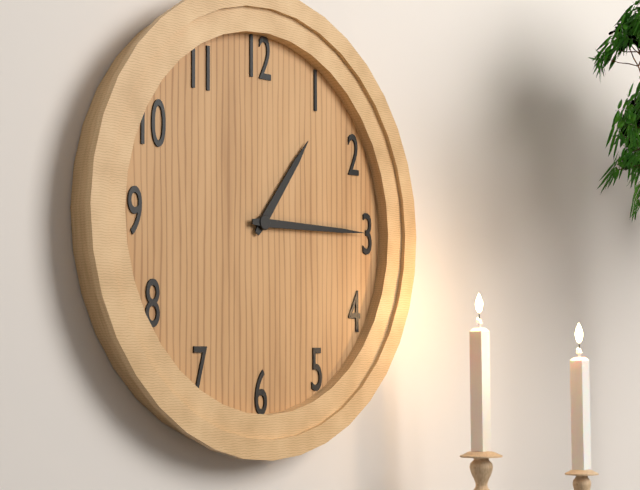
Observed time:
h=1 m=15
